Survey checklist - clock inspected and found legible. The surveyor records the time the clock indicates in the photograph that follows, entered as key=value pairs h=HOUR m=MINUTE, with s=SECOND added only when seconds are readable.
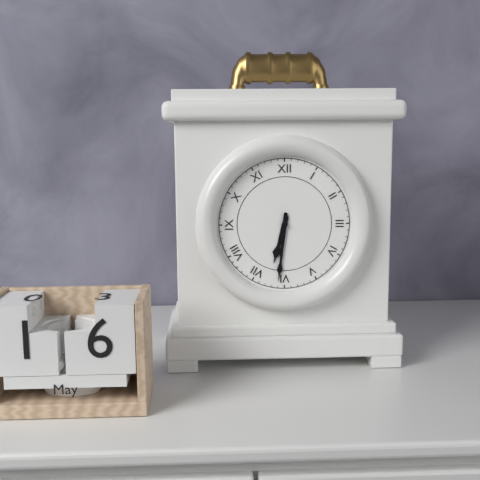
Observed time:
h=6 m=31
